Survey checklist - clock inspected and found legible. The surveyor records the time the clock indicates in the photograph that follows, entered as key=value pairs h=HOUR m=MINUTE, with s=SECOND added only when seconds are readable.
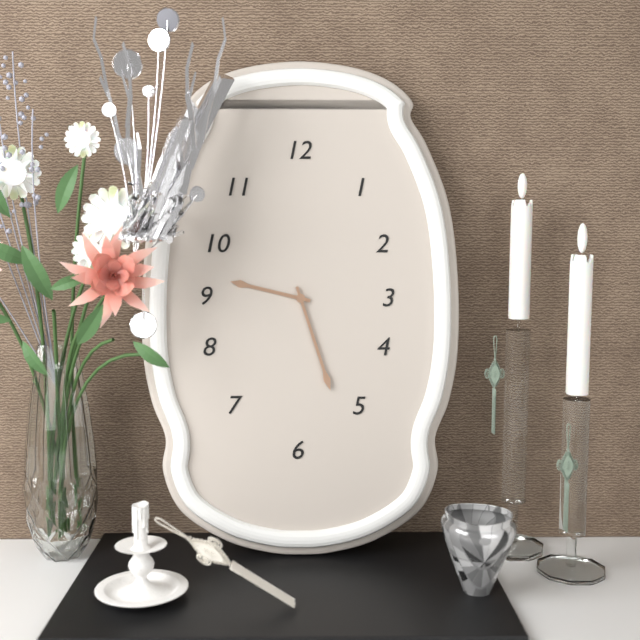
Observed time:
h=9 m=27
